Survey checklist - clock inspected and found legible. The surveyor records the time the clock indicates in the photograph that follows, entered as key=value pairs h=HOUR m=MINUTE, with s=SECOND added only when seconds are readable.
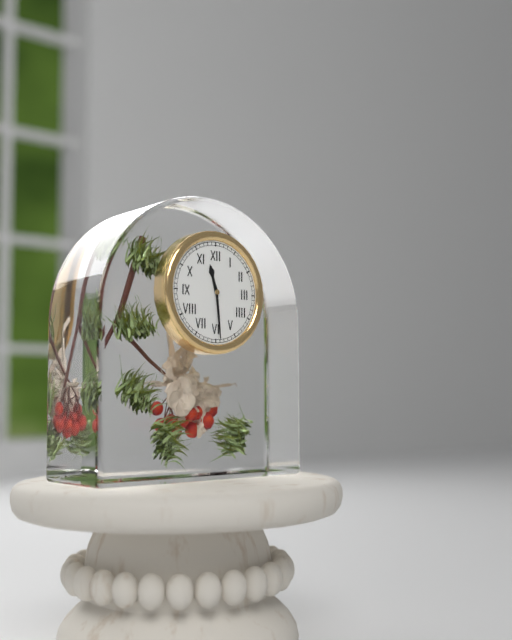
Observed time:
h=11 m=29
